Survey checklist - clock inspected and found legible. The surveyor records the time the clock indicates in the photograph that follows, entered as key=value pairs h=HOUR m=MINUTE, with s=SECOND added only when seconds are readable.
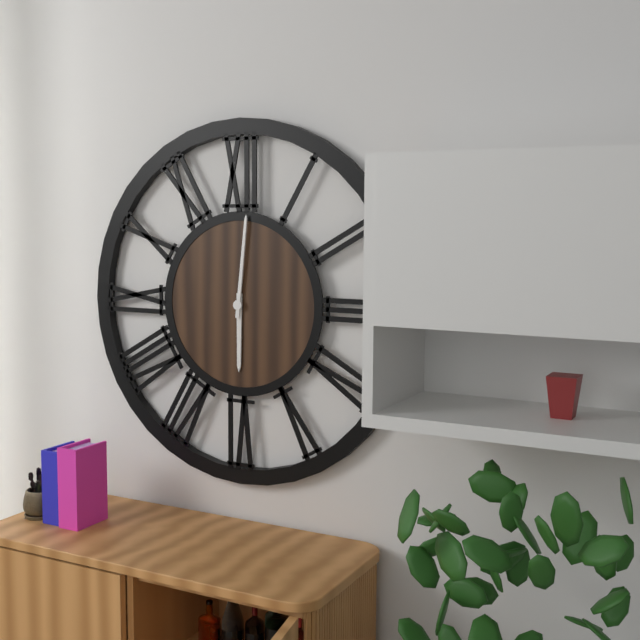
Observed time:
h=6 m=1
